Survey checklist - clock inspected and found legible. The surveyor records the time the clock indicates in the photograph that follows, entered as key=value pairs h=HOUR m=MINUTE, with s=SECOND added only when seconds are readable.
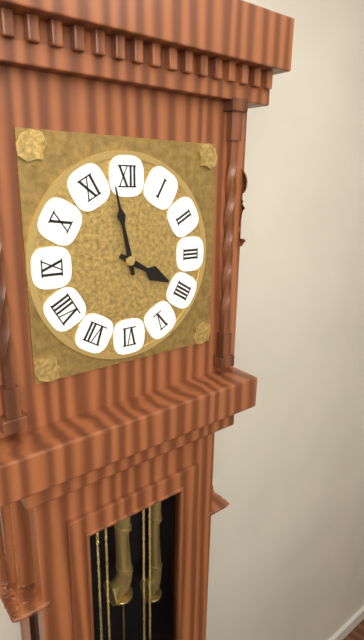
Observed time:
h=3 m=58
